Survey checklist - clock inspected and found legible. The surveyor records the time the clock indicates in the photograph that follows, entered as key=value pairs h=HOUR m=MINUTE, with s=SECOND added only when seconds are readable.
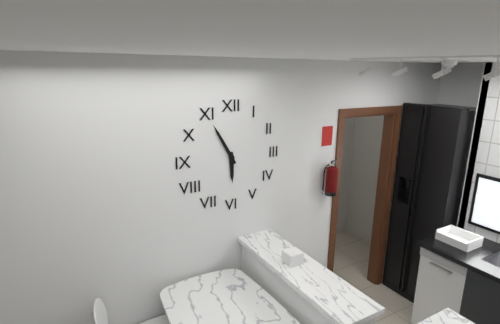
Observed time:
h=5 m=55
